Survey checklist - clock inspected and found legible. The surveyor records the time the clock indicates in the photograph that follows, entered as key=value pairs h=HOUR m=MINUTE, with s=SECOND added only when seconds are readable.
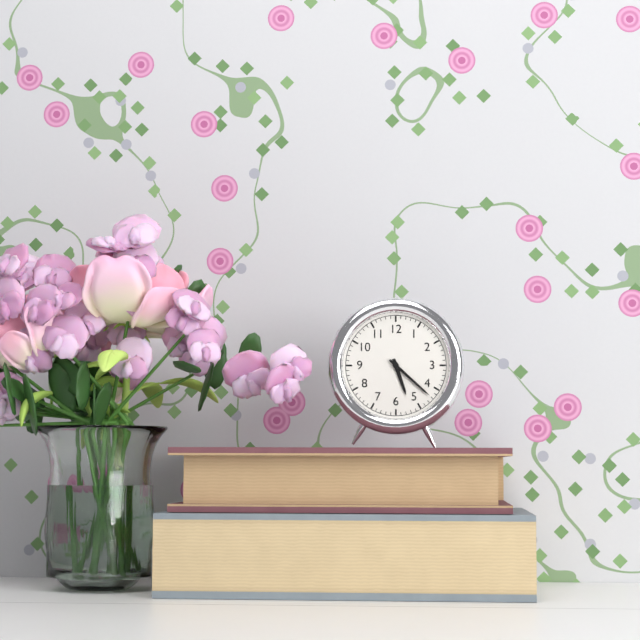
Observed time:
h=5 m=22
